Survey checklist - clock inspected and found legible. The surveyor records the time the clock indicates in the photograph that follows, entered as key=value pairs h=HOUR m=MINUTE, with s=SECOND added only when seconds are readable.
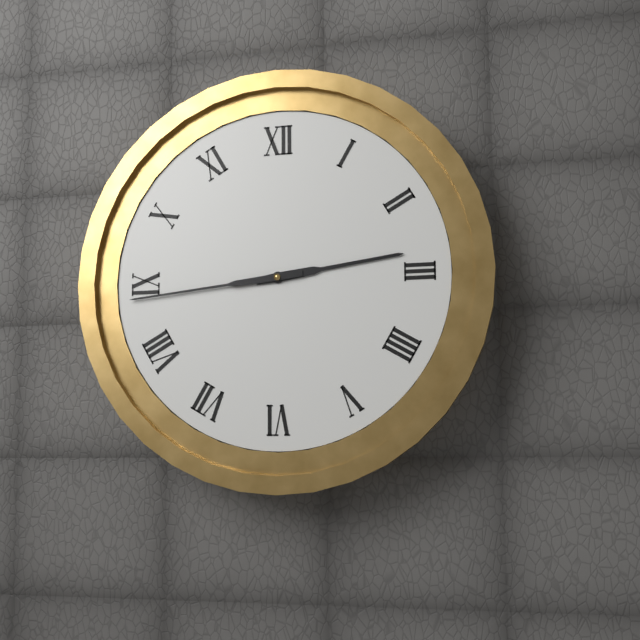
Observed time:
h=2 m=44
